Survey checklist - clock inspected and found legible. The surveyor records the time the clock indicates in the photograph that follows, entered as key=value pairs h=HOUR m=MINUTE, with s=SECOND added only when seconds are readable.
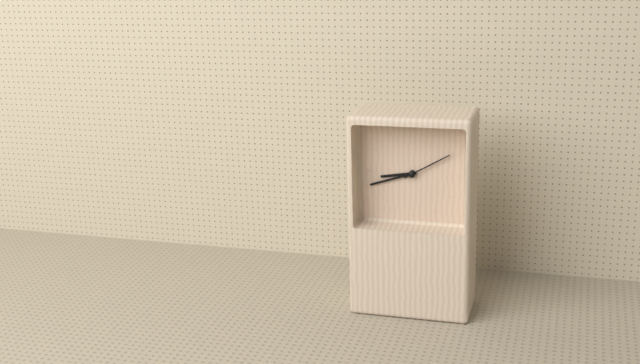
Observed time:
h=8 m=42 s=10
